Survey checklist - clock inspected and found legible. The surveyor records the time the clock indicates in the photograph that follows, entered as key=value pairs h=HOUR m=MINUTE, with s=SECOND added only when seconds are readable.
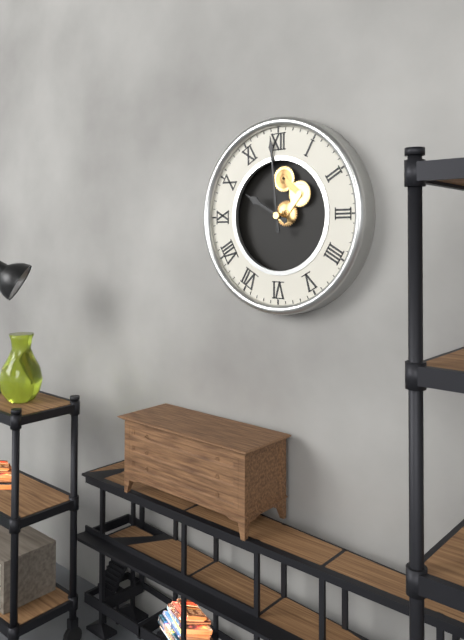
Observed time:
h=9 m=59
